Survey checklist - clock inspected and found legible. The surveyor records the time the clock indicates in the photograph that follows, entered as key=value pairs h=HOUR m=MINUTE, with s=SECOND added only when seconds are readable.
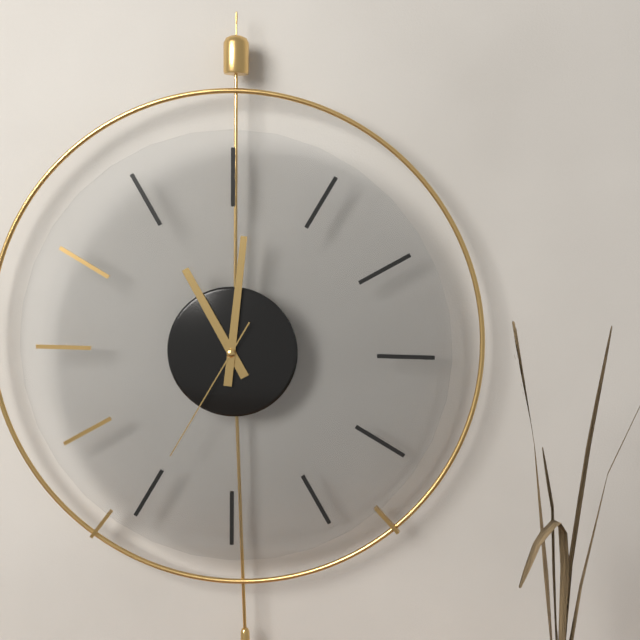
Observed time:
h=11 m=1 s=35
